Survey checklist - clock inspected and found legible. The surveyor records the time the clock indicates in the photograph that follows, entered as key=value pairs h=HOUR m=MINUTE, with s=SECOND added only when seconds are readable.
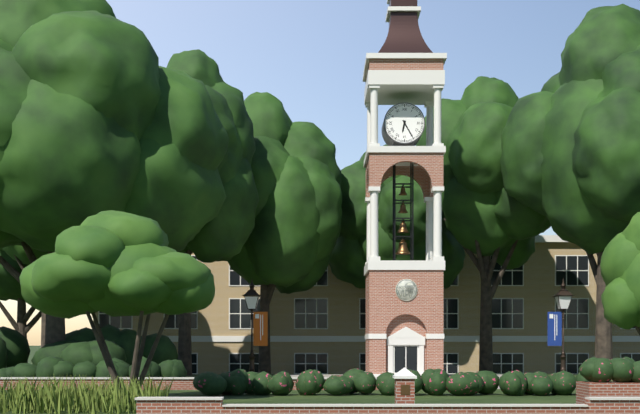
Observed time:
h=6 m=25
